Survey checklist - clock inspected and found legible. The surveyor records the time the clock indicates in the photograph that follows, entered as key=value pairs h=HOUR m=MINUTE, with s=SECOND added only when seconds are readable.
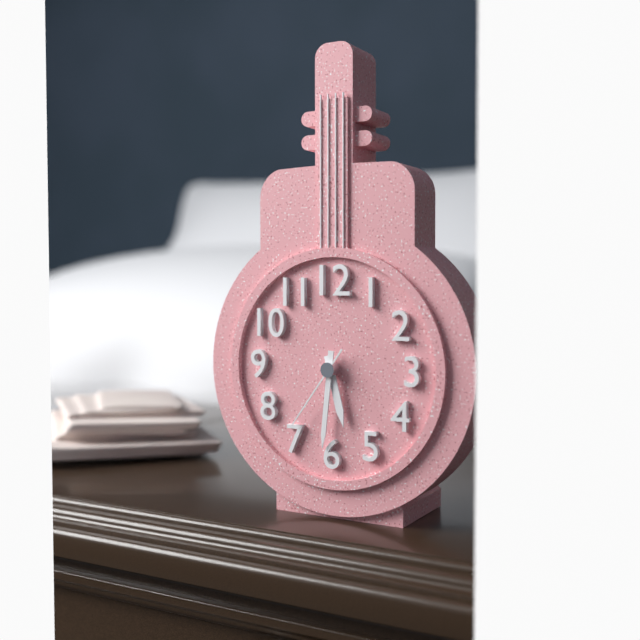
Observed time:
h=5 m=31 s=36
